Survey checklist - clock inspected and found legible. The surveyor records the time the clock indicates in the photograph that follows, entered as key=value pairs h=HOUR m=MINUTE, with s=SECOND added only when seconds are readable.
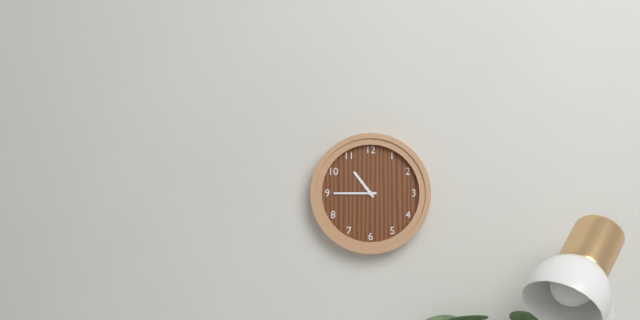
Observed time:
h=10 m=45
